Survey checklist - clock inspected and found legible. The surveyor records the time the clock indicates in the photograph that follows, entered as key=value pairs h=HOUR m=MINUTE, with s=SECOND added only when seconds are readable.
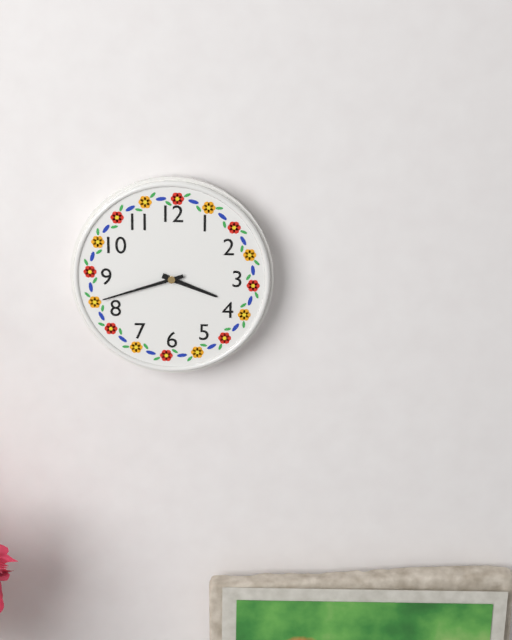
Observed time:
h=3 m=42
